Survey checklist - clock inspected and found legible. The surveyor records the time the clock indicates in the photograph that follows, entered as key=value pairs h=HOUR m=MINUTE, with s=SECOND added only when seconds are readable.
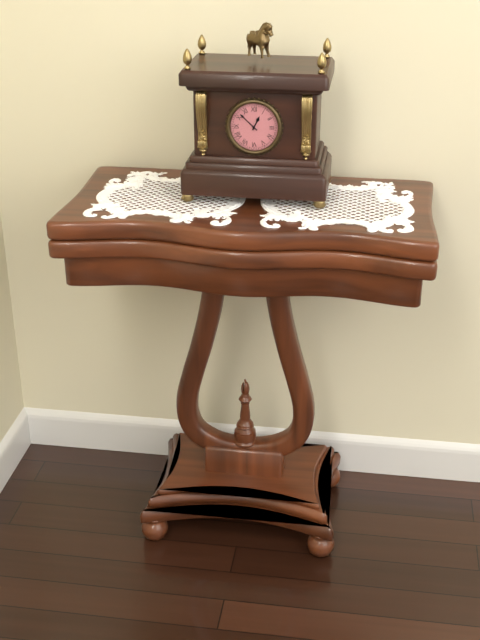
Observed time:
h=12 m=52
